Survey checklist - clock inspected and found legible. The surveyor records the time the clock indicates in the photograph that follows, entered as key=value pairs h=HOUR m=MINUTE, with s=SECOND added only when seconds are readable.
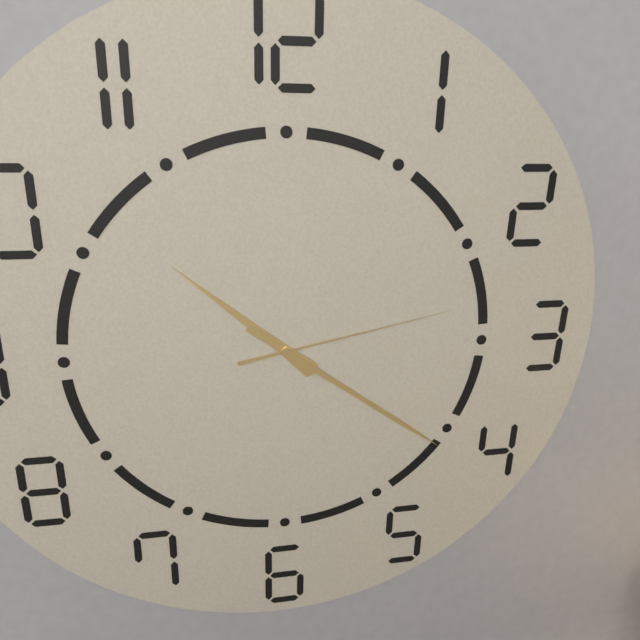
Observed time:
h=10 m=21 s=13
